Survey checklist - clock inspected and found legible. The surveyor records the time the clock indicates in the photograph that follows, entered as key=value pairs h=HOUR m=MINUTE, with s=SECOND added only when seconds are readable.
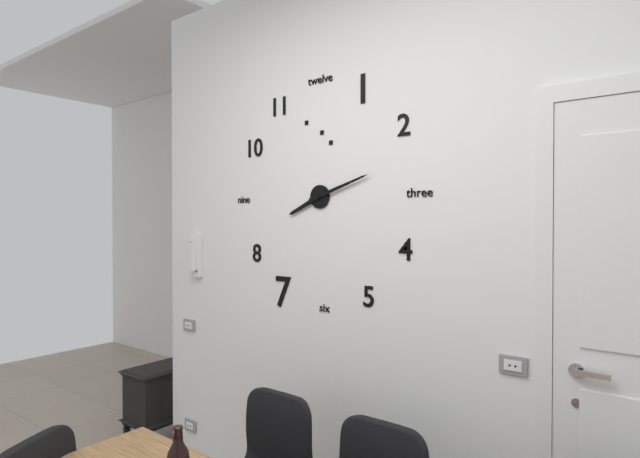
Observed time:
h=8 m=12
